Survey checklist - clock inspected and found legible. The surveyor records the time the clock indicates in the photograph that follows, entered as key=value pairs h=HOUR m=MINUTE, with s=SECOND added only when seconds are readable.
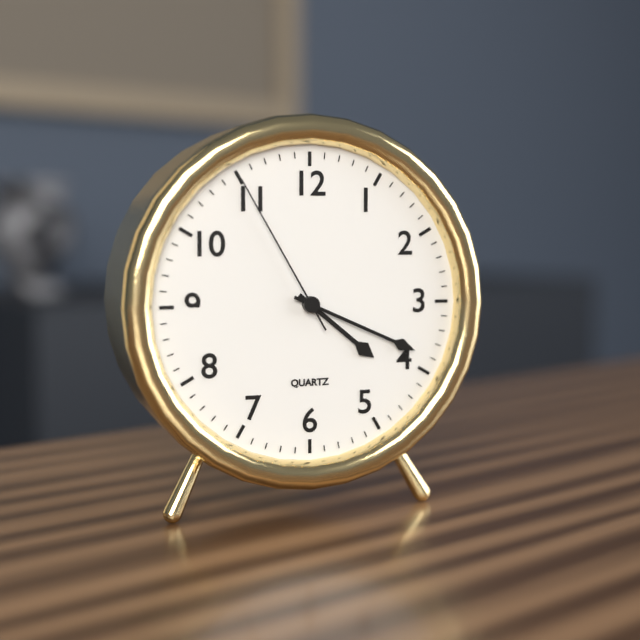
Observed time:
h=4 m=19 s=55
